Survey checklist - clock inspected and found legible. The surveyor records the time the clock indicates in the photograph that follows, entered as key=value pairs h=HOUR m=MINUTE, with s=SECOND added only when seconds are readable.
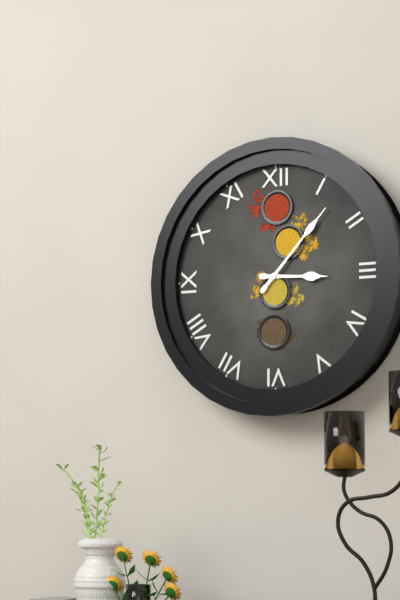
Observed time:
h=3 m=7
